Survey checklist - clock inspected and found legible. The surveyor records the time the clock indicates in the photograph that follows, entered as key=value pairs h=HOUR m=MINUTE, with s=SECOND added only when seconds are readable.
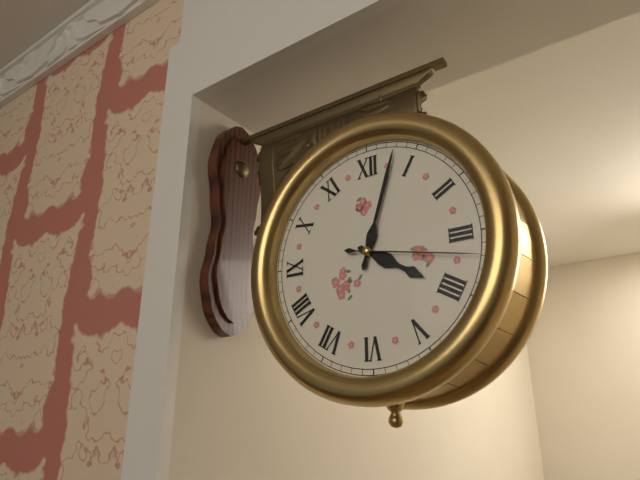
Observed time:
h=4 m=3 s=17
